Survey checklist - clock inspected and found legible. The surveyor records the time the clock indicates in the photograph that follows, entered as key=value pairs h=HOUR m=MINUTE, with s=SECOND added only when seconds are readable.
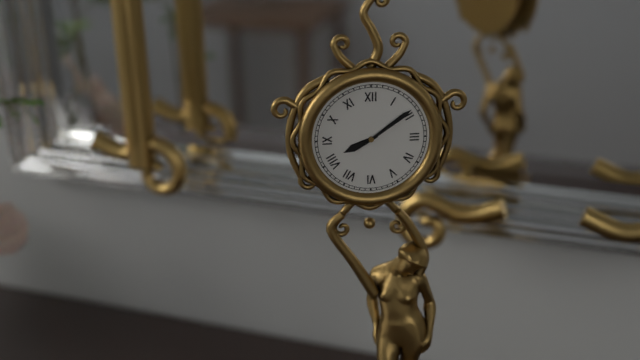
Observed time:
h=8 m=9
